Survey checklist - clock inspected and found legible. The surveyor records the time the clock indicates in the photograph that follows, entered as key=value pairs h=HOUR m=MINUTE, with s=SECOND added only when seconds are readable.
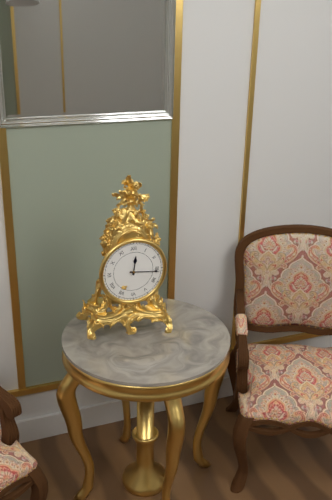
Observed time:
h=12 m=16
